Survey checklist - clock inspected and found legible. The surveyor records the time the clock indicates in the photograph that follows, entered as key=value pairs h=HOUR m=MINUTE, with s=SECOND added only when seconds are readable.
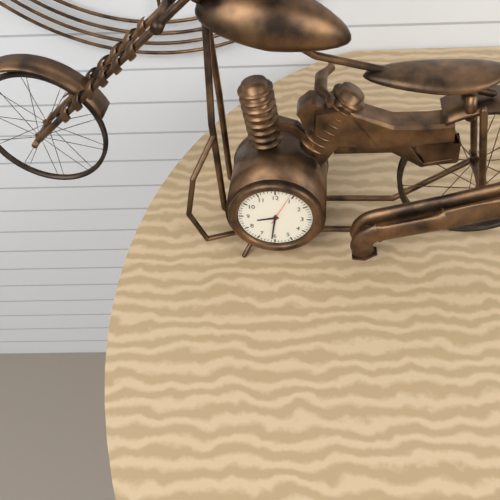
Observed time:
h=8 m=31
